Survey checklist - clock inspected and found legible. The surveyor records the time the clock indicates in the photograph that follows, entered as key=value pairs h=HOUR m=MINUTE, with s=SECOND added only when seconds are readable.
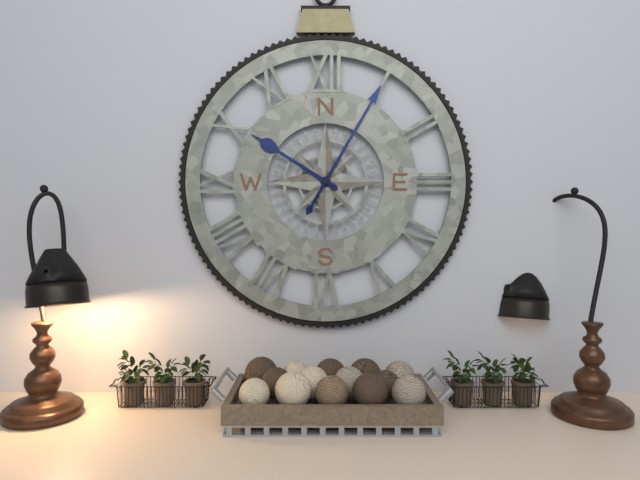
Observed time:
h=10 m=5
